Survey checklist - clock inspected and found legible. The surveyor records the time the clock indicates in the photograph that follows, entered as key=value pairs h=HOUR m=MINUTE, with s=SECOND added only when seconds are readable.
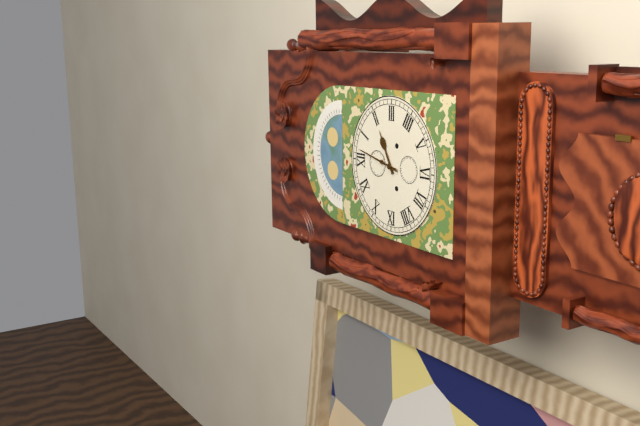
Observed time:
h=2 m=2
